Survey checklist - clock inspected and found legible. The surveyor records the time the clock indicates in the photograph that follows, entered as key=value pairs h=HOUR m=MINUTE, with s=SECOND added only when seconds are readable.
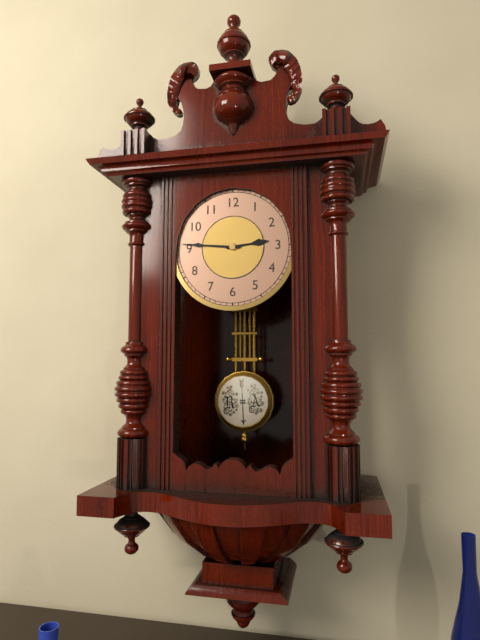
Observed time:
h=2 m=46
